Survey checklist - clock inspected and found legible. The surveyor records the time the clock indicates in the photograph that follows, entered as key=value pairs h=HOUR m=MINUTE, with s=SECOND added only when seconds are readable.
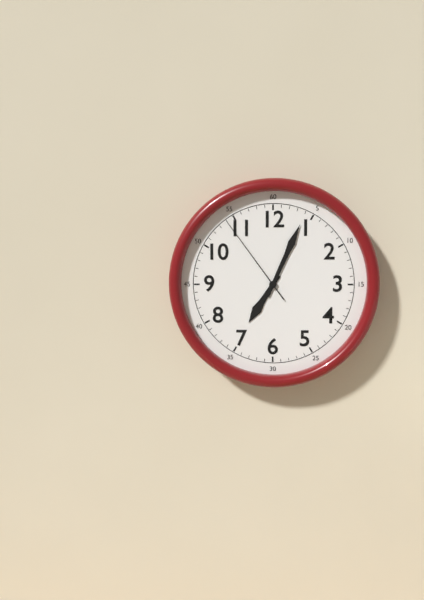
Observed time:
h=7 m=4 s=54
